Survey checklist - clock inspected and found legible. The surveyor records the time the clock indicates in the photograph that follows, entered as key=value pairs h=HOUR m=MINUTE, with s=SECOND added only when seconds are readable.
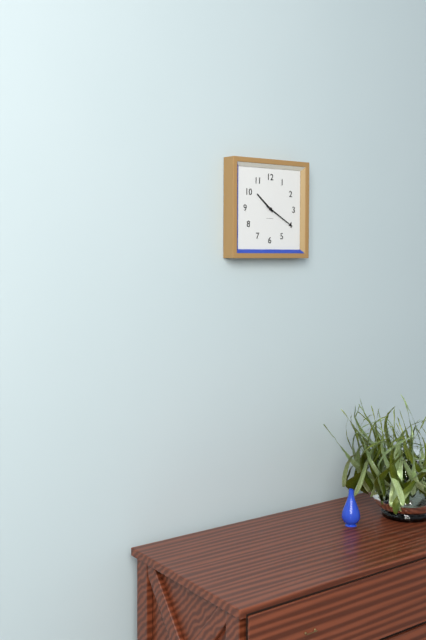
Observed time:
h=10 m=20
